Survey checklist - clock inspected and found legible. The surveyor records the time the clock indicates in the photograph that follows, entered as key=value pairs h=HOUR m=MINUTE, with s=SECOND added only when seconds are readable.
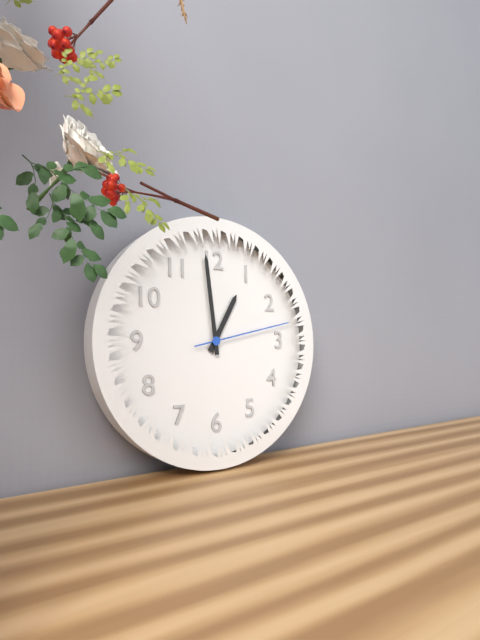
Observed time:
h=12 m=59 s=13
